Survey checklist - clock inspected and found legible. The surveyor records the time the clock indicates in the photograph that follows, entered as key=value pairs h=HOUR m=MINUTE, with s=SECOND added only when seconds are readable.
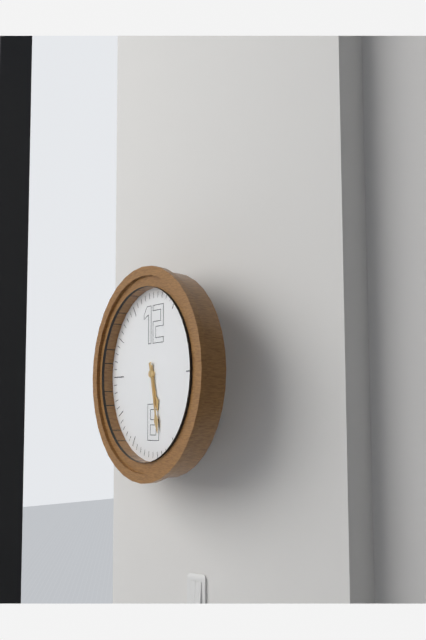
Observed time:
h=5 m=28
